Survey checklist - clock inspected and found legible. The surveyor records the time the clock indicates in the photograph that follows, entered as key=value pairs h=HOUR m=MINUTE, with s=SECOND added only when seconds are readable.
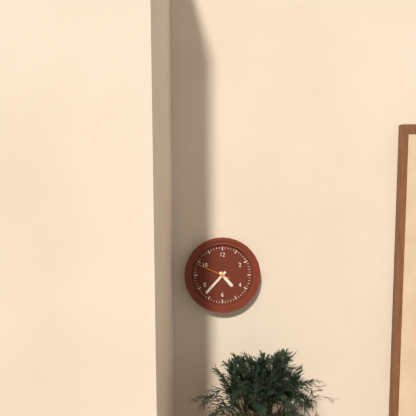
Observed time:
h=4 m=37
